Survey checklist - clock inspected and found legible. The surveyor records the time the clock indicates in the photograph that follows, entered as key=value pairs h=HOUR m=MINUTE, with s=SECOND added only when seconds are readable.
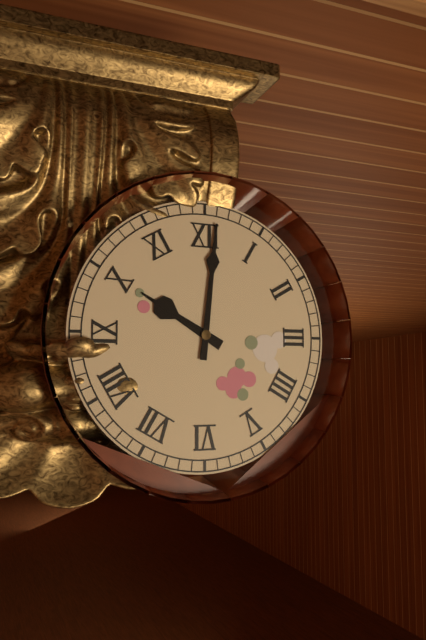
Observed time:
h=10 m=1
